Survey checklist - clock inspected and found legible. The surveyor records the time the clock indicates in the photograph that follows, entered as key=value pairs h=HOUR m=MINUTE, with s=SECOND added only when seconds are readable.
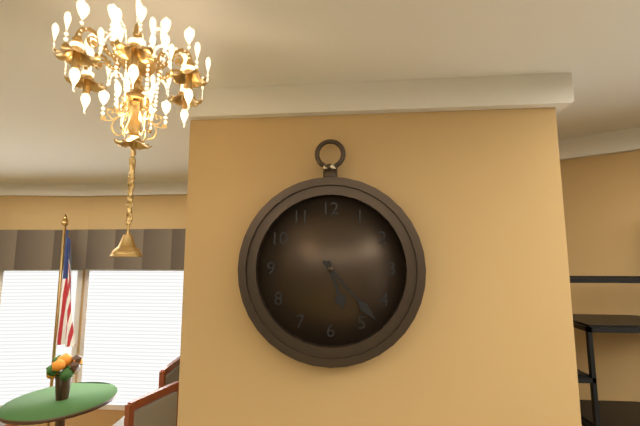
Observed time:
h=5 m=23
